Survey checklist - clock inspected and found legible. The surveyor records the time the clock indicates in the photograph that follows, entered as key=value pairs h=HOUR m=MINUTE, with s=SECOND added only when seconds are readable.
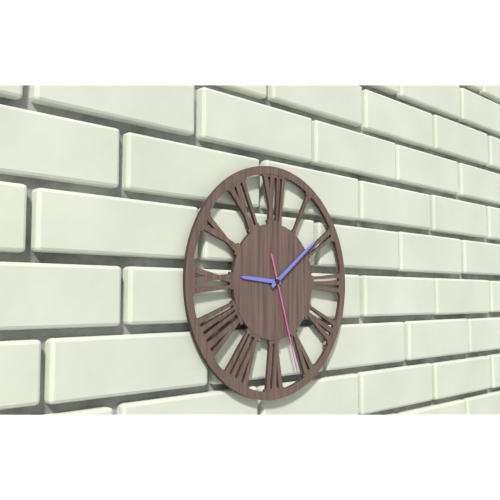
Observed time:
h=9 m=9 s=27
